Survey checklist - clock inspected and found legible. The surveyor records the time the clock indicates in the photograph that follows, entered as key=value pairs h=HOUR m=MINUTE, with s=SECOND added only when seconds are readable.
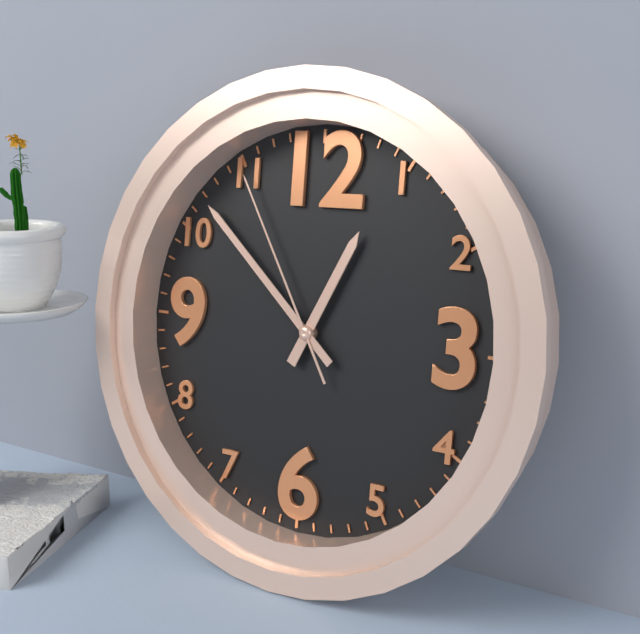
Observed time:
h=12 m=52 s=55
